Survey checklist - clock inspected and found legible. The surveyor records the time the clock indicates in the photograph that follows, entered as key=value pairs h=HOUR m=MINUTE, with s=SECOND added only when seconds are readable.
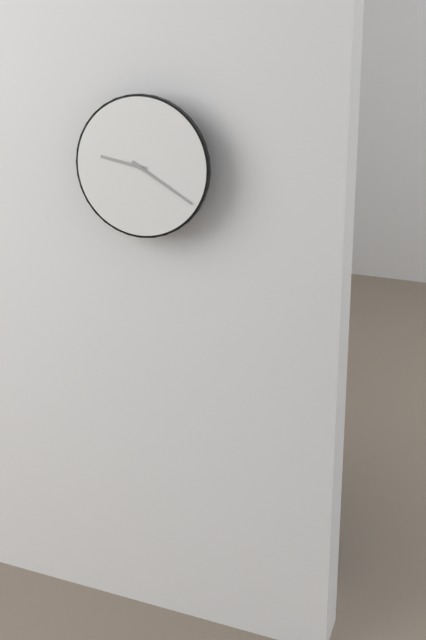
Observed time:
h=9 m=20
